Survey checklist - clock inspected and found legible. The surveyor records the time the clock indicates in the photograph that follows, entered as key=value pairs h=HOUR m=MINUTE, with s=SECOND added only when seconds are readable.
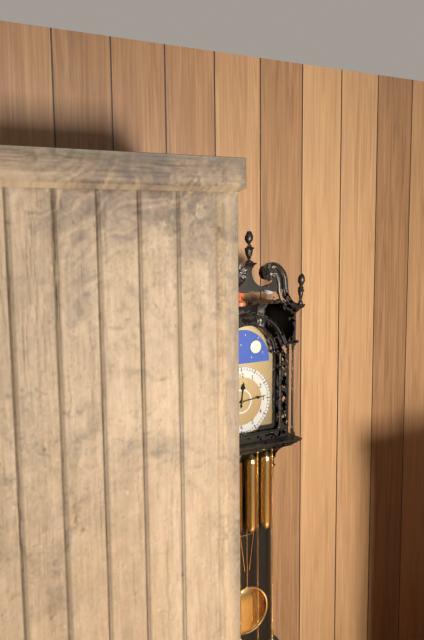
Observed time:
h=12 m=14
